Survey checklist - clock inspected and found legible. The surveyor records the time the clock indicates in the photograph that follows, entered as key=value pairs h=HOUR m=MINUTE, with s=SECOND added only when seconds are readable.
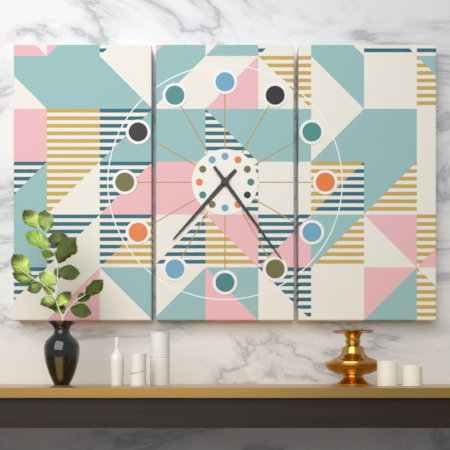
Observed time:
h=7 m=24
